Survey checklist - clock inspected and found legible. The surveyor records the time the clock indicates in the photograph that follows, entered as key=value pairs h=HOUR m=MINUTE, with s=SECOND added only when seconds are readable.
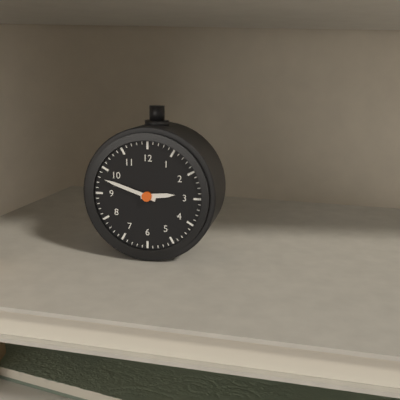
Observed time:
h=2 m=48
